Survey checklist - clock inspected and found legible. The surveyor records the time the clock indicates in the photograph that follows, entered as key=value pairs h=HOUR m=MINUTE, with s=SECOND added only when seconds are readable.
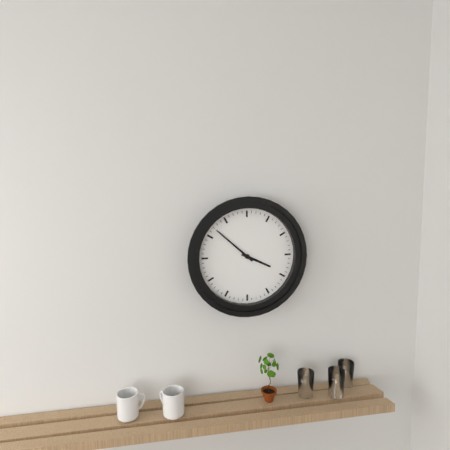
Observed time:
h=3 m=52
